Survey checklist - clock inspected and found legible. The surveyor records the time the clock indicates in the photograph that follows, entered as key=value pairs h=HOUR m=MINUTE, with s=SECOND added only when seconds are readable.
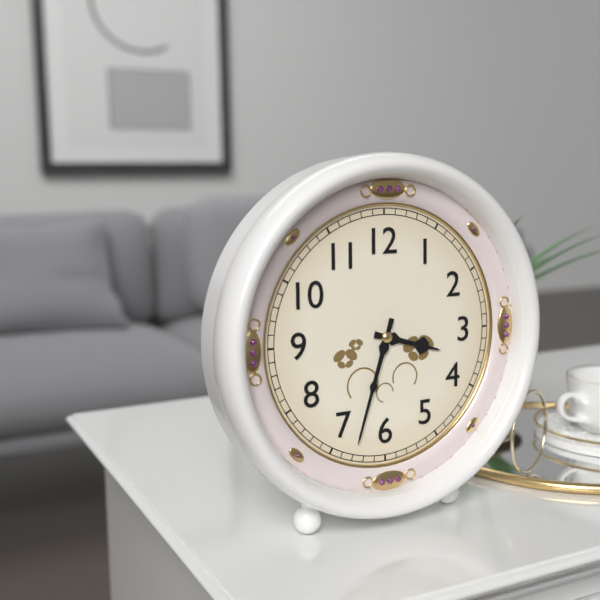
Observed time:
h=3 m=33
